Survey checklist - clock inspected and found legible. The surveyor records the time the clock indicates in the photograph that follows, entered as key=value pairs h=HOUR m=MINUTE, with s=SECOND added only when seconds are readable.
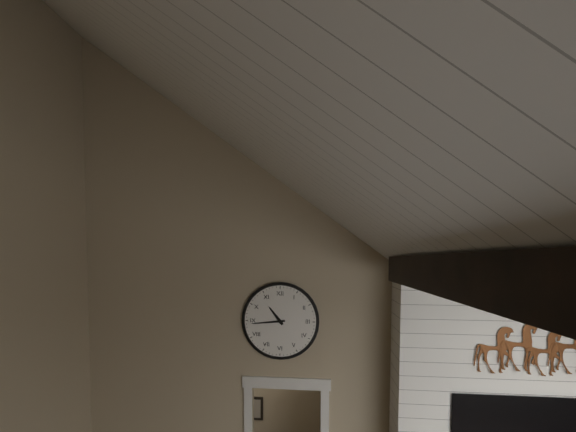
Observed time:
h=10 m=44
